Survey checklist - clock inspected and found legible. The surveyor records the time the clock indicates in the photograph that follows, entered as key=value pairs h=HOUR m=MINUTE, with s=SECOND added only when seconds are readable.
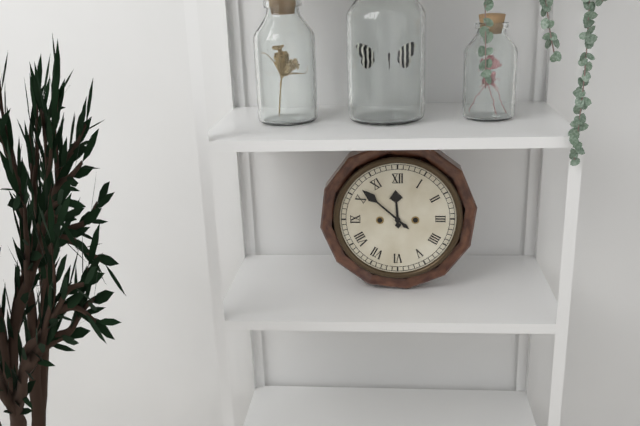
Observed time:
h=11 m=52
